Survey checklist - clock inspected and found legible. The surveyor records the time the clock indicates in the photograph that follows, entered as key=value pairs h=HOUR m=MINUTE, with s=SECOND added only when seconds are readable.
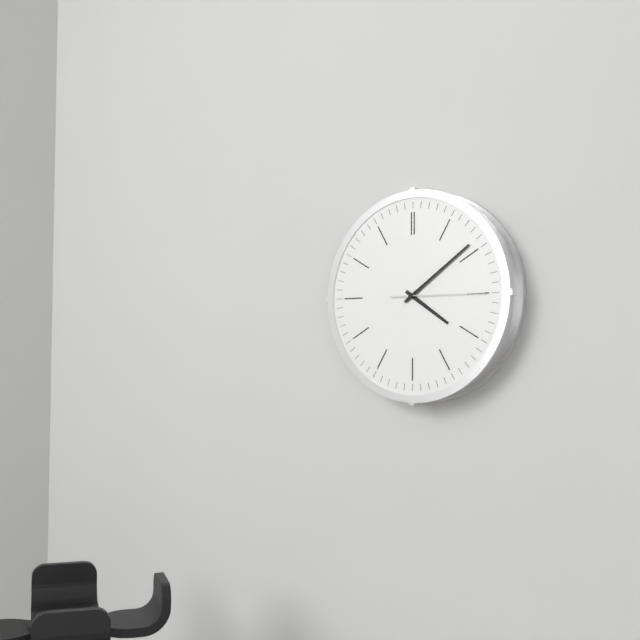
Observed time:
h=4 m=9 s=15
